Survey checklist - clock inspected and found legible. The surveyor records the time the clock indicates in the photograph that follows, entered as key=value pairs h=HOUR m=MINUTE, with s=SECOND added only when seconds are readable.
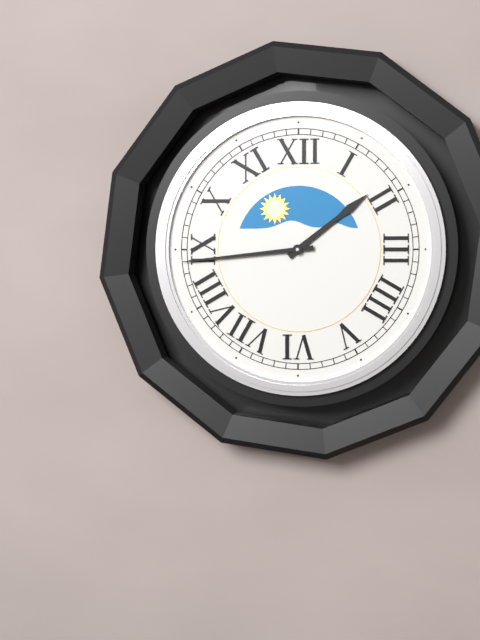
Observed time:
h=1 m=44
